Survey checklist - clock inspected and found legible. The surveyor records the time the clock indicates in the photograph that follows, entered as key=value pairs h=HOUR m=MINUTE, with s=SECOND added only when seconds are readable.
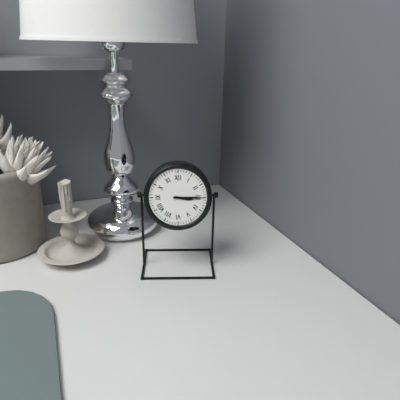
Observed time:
h=3 m=15
